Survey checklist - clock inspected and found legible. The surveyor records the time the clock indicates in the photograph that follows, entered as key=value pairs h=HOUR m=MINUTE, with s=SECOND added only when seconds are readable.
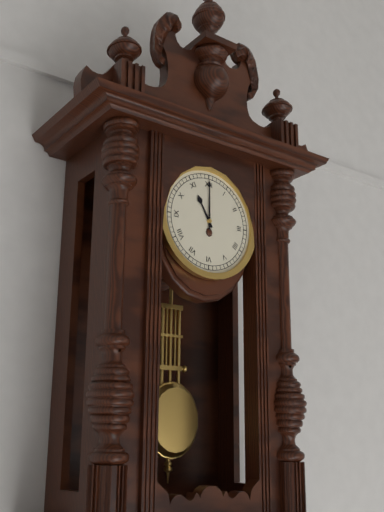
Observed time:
h=11 m=0
